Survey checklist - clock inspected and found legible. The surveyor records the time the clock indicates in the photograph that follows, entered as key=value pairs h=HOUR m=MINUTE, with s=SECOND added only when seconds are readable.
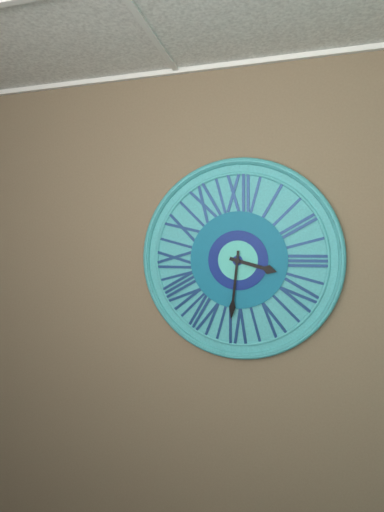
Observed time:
h=3 m=31
